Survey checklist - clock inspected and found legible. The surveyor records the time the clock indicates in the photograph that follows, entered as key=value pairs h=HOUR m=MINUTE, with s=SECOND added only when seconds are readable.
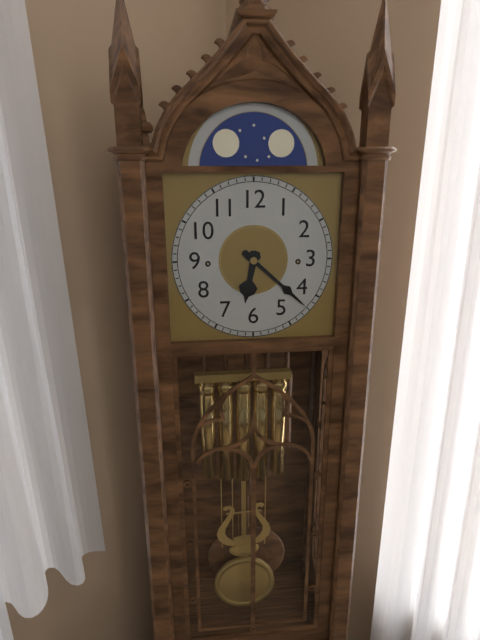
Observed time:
h=6 m=22
